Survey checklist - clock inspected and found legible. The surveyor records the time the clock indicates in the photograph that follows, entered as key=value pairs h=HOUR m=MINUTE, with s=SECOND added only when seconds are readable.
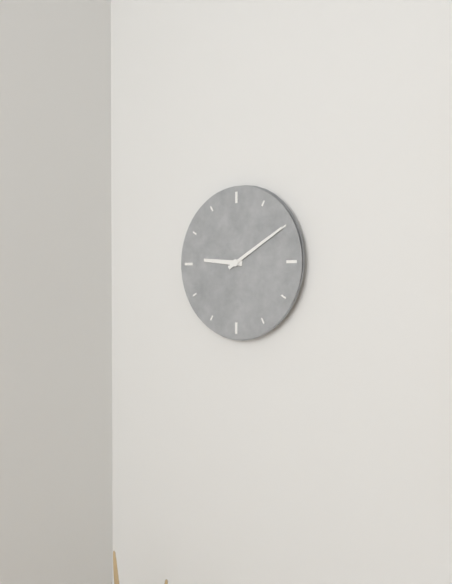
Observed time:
h=9 m=10
